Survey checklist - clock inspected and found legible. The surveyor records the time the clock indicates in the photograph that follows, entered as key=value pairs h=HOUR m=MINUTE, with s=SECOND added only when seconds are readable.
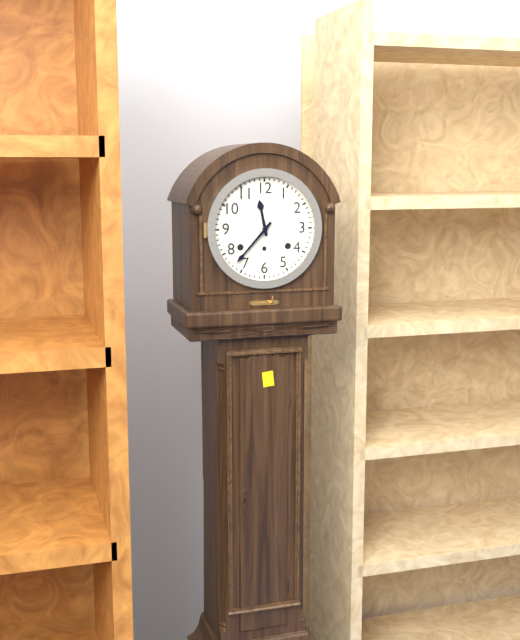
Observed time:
h=11 m=37
